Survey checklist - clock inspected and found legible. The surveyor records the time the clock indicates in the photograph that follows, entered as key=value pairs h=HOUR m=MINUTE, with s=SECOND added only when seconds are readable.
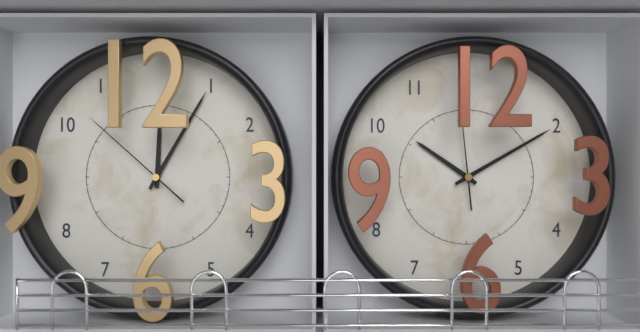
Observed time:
h=12 m=5 s=52
